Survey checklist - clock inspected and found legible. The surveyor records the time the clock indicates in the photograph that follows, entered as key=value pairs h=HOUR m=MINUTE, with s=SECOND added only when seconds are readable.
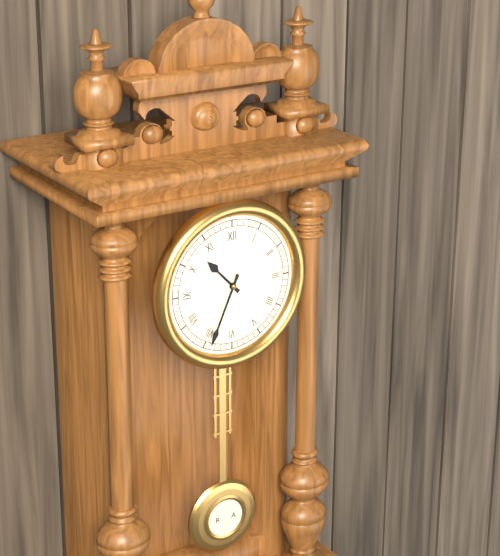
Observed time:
h=10 m=34
